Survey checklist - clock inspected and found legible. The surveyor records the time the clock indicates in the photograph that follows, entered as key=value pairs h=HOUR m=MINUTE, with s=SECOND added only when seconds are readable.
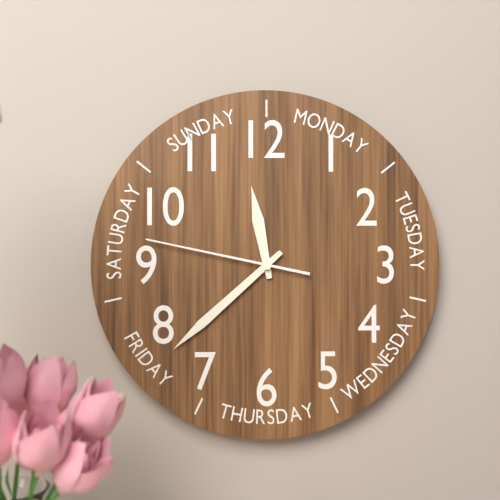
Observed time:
h=11 m=38 s=47
